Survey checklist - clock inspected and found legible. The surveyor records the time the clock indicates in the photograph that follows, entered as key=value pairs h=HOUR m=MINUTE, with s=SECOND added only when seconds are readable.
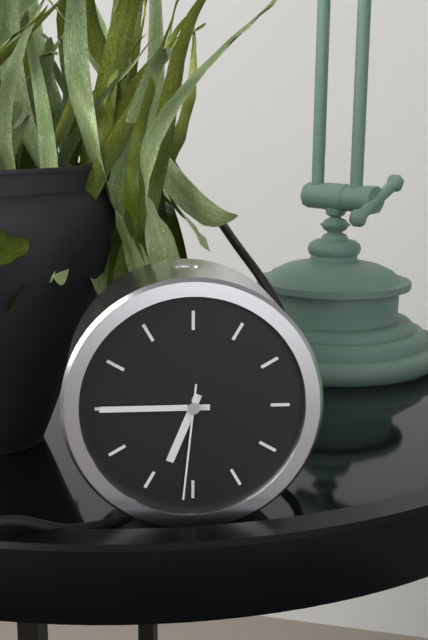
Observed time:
h=6 m=45 s=31
